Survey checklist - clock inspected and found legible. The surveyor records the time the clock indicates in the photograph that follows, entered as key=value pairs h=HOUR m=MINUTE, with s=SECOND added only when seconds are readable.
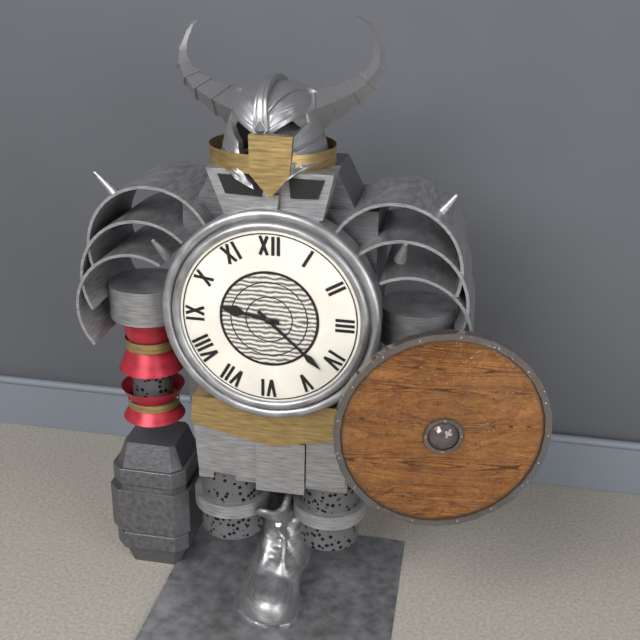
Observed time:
h=9 m=22
